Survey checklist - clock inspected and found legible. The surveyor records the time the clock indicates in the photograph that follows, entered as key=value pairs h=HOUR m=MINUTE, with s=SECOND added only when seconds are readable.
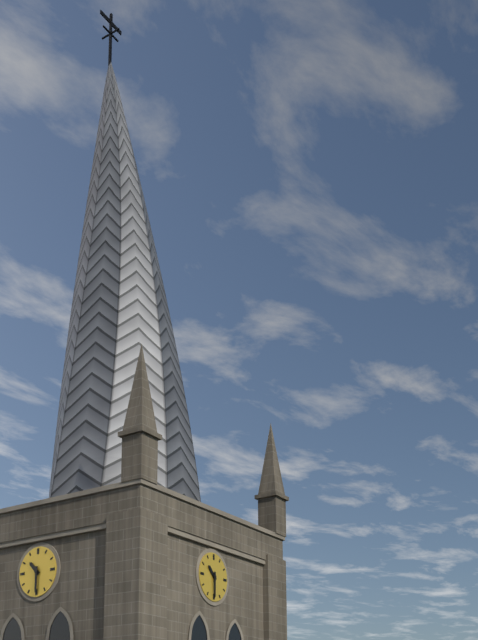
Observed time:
h=10 m=30
